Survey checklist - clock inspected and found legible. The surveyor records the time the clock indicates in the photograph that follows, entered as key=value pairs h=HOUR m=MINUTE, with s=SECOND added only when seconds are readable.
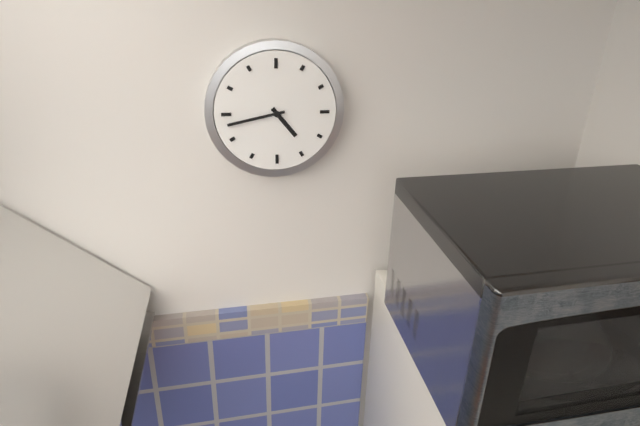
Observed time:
h=4 m=43
